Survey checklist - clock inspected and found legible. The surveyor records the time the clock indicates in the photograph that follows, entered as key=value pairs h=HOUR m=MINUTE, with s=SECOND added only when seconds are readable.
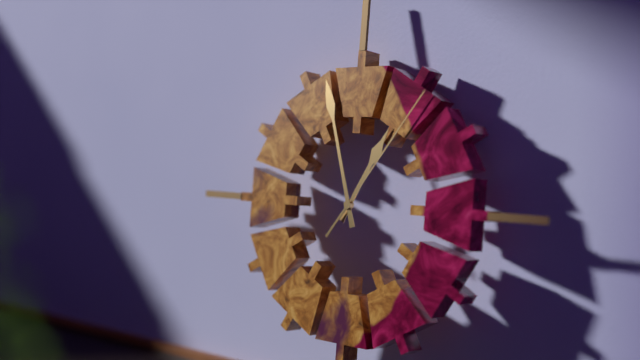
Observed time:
h=12 m=57 s=6
